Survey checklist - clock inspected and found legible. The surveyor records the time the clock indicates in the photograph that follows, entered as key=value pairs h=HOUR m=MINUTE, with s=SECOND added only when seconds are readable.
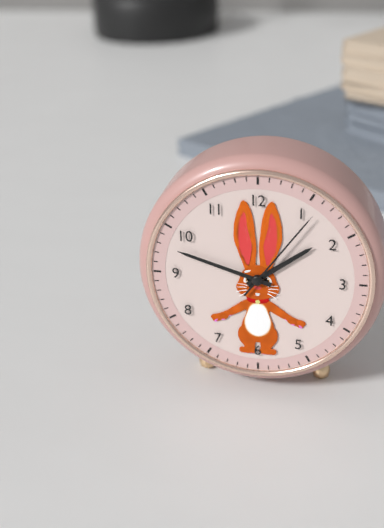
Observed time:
h=1 m=48 s=6
